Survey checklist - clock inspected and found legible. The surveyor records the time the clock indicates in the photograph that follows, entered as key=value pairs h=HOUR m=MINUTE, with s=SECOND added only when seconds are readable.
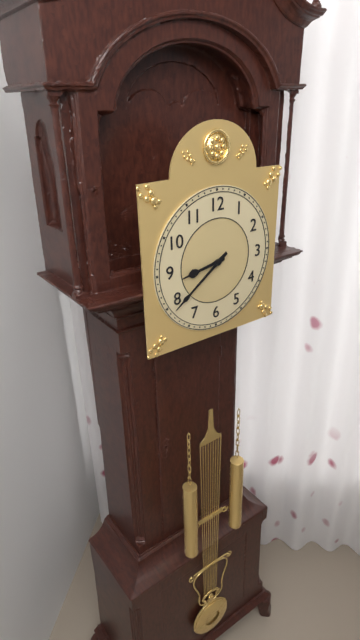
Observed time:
h=8 m=39
